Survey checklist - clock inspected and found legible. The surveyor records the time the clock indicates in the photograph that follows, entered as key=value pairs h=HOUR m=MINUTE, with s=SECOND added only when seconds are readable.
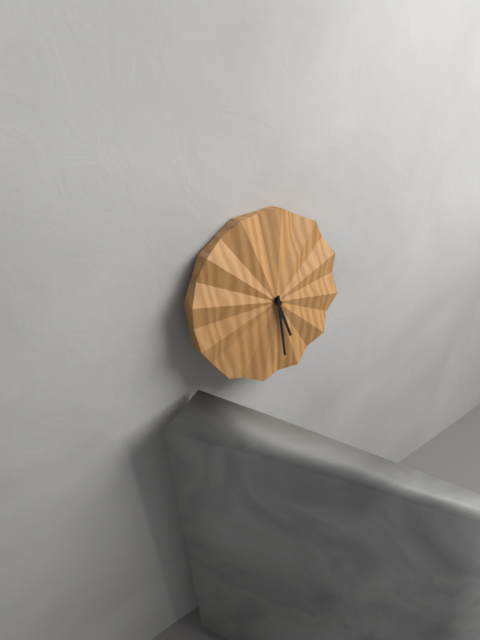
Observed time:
h=5 m=30
